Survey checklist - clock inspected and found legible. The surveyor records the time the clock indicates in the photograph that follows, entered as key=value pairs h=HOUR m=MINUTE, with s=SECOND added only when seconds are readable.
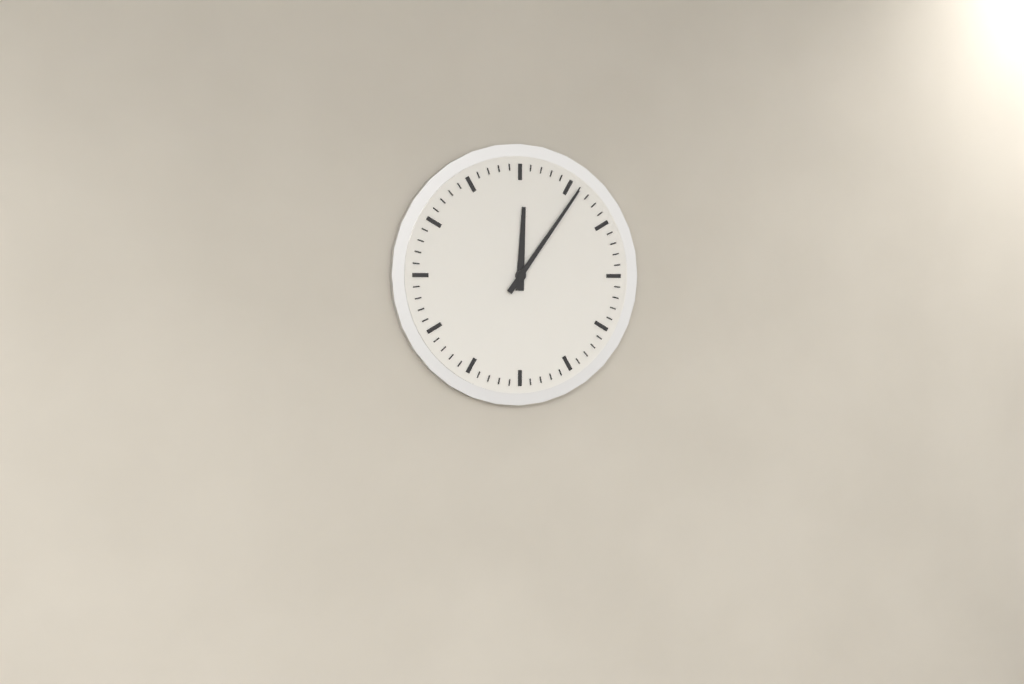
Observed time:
h=12 m=6
